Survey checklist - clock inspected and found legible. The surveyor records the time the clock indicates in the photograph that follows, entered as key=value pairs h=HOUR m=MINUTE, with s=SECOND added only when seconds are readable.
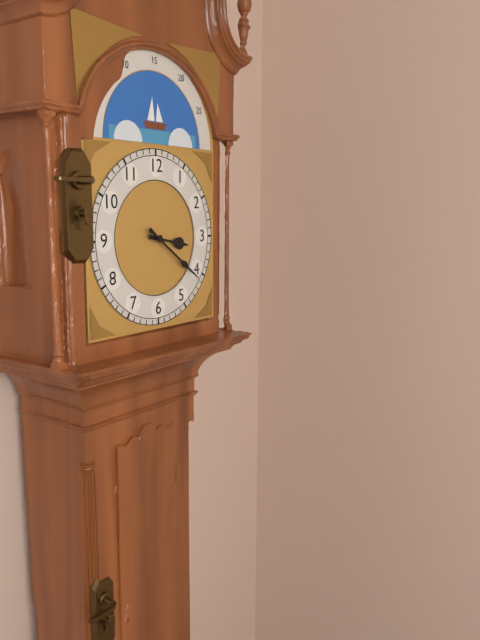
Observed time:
h=3 m=21
